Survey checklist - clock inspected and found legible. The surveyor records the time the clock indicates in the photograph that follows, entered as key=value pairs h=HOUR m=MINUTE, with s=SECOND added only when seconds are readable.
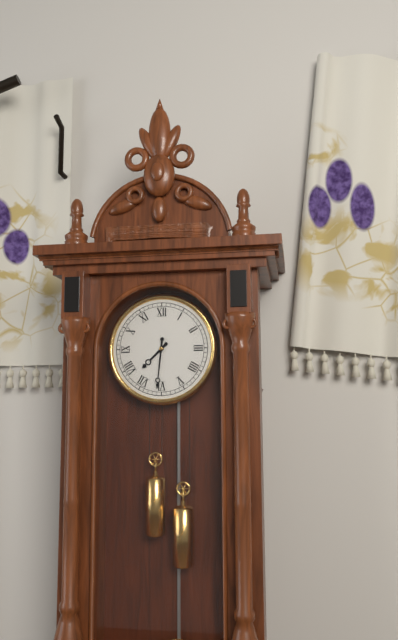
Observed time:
h=7 m=31
